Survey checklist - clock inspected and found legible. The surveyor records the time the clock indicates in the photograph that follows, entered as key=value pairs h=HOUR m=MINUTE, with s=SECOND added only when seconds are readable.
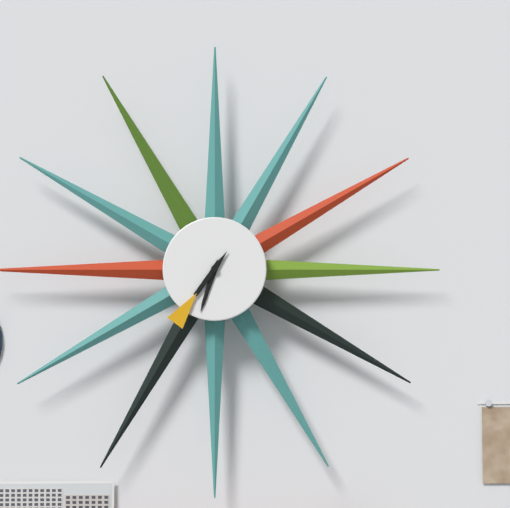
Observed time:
h=6 m=36
